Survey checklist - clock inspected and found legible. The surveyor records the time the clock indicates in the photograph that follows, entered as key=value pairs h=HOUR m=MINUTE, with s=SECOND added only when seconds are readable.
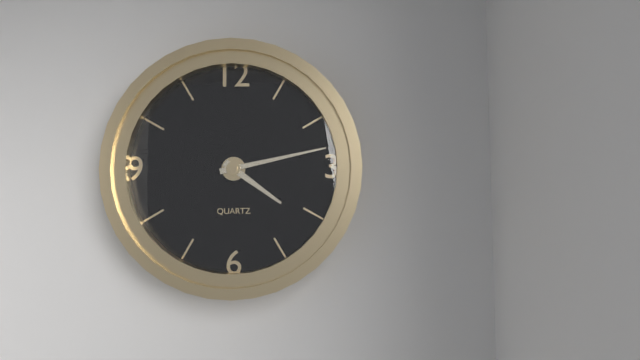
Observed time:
h=4 m=13
